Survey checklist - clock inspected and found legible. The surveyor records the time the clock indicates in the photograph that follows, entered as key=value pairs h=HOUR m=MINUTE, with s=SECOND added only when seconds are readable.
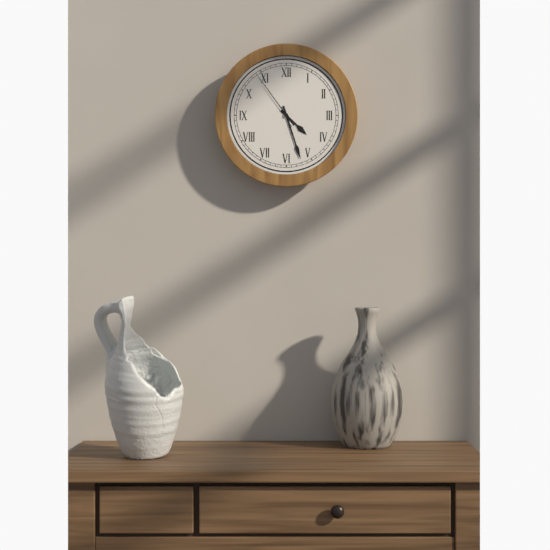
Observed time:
h=4 m=27 s=54
